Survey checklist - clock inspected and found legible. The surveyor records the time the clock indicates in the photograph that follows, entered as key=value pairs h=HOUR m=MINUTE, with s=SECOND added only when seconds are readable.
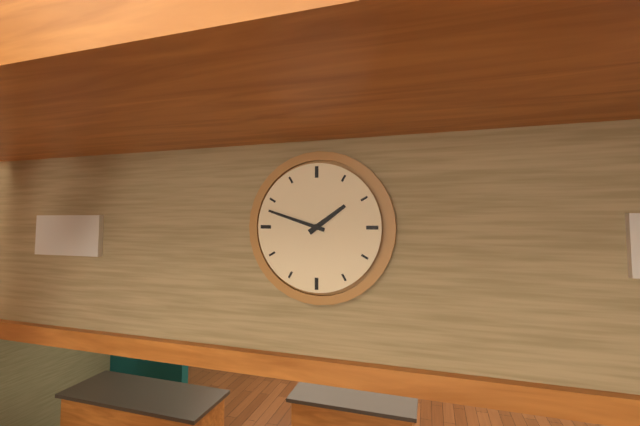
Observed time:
h=1 m=48
